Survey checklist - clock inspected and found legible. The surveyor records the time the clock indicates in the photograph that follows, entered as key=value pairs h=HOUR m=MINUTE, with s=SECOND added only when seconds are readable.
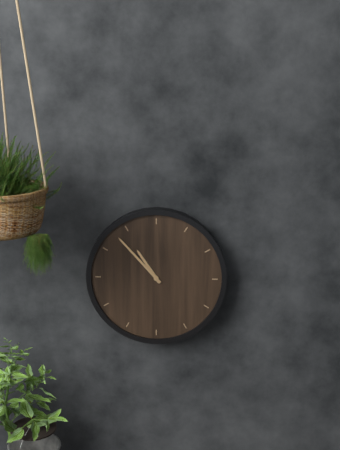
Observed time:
h=10 m=53
